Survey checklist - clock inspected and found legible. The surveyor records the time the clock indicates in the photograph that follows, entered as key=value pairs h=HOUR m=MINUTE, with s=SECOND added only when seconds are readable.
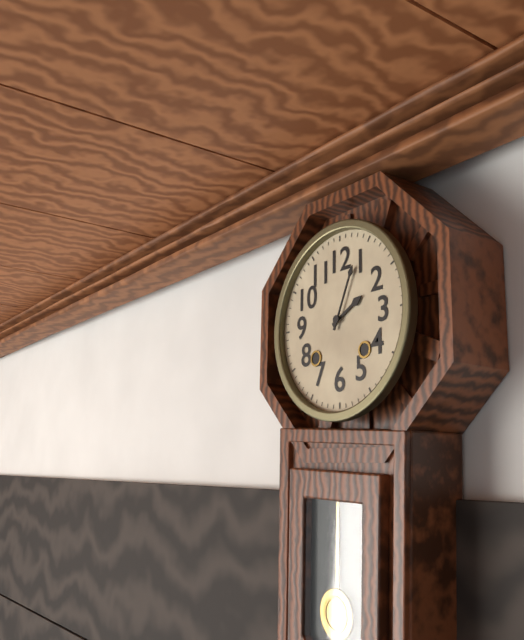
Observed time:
h=2 m=4
